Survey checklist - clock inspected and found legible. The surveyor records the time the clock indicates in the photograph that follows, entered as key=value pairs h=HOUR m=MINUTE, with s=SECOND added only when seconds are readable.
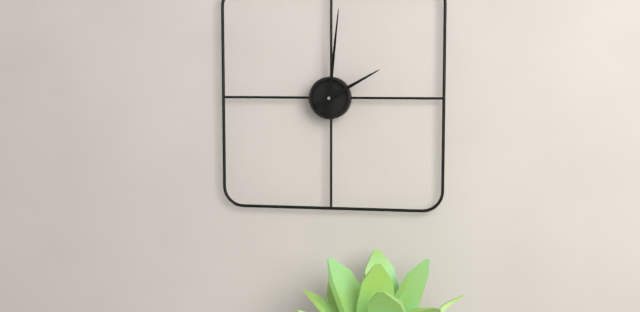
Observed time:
h=2 m=1
